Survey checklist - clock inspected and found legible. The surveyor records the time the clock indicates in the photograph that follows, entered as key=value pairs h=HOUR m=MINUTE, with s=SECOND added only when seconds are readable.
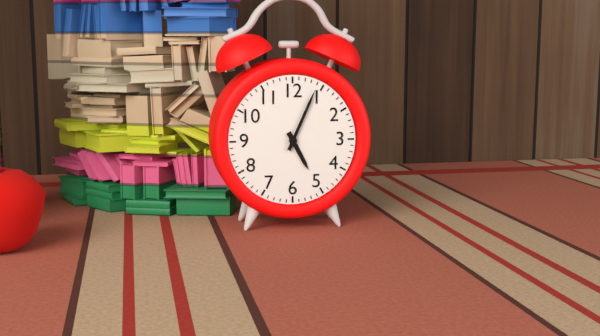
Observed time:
h=5 m=4
